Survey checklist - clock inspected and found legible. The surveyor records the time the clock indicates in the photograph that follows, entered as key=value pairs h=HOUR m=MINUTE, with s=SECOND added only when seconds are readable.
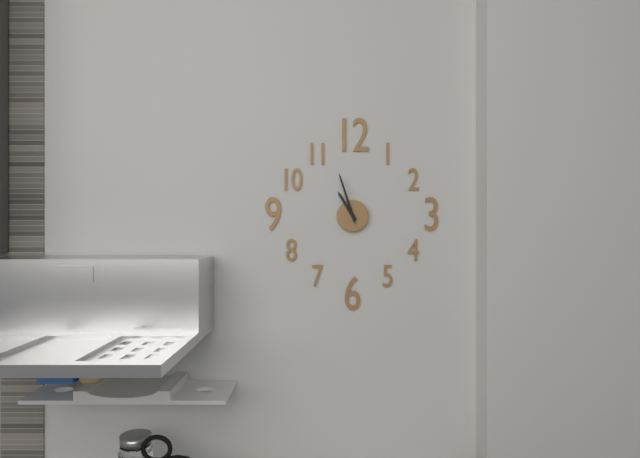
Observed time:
h=10 m=57
